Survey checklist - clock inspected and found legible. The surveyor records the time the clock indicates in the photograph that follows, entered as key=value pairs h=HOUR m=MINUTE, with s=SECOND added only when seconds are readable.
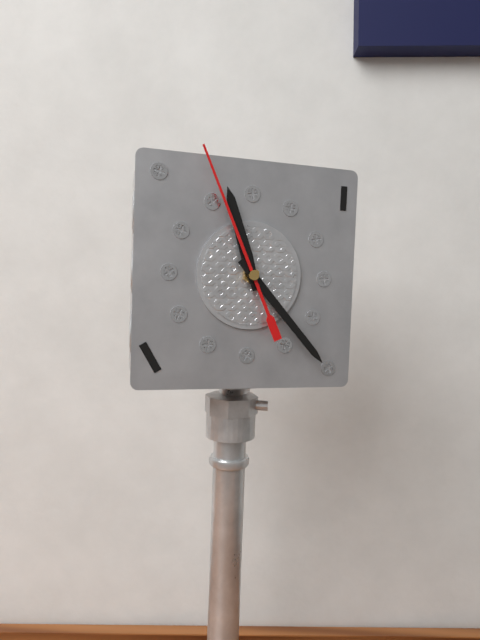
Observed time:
h=11 m=23 s=56
